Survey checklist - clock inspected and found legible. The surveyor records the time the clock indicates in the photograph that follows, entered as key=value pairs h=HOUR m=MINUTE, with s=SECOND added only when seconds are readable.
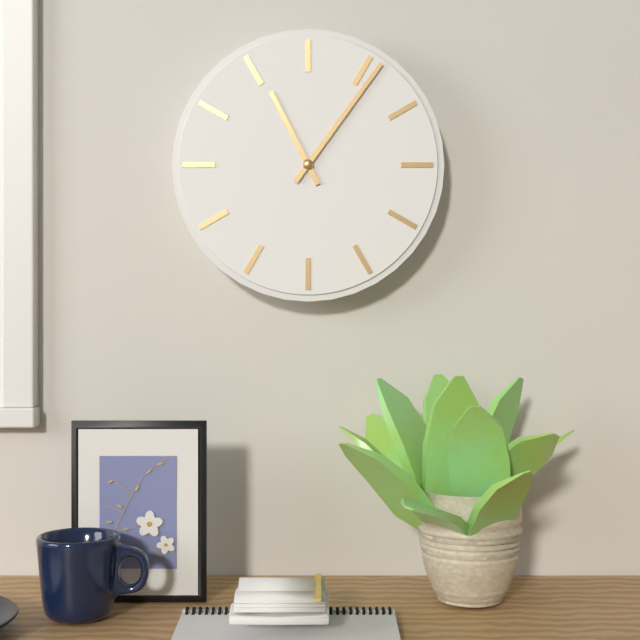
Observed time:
h=11 m=6
